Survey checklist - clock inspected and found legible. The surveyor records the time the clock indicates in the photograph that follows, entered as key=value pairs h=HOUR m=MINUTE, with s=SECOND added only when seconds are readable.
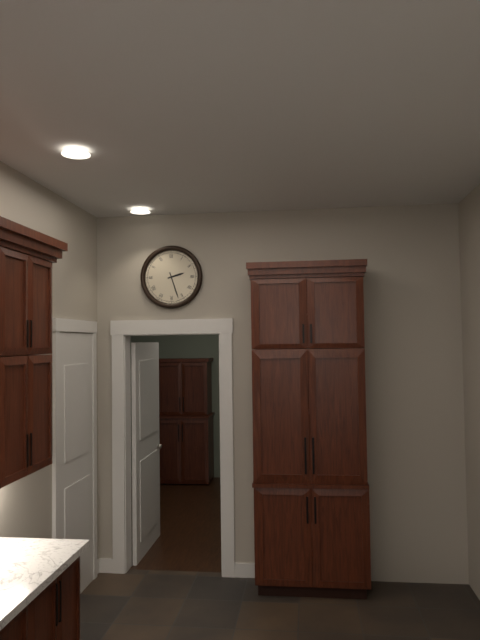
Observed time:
h=2 m=27
